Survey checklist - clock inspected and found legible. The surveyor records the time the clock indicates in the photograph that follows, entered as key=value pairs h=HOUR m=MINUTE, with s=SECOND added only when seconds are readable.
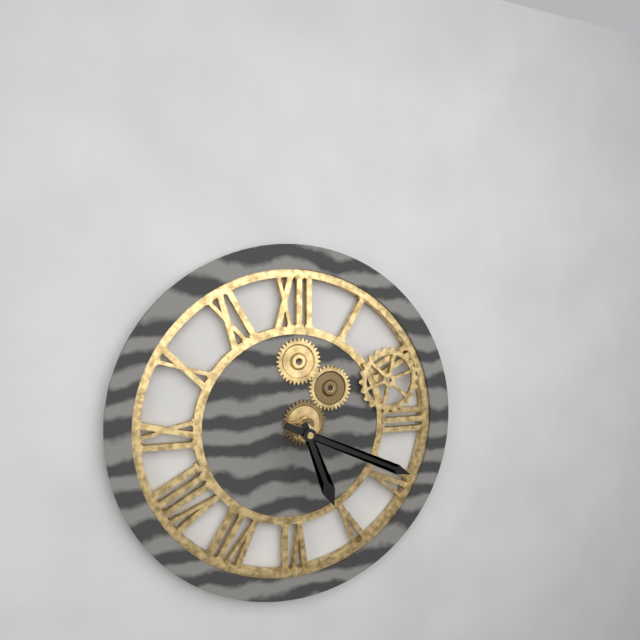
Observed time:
h=5 m=19
